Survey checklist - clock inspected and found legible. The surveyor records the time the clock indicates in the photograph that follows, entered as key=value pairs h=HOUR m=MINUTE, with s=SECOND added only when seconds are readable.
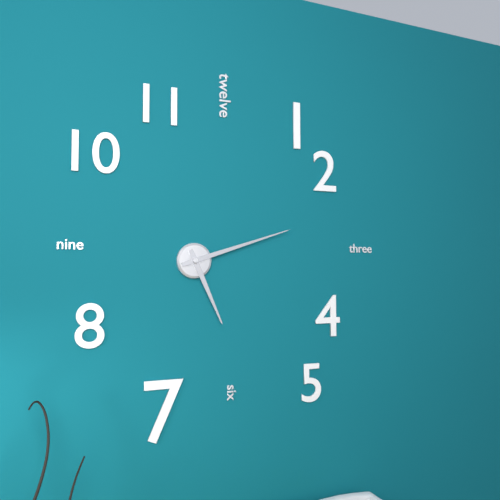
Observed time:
h=5 m=12
